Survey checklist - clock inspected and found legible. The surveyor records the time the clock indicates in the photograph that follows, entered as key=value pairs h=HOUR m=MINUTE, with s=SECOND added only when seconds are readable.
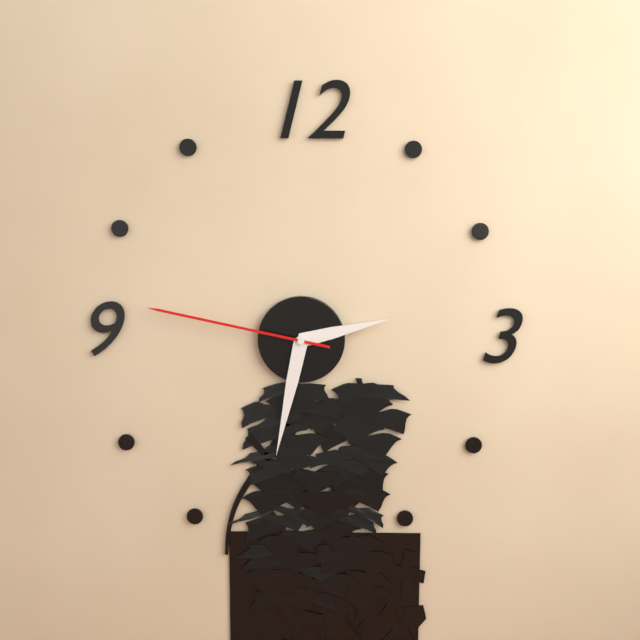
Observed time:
h=2 m=32 s=47
